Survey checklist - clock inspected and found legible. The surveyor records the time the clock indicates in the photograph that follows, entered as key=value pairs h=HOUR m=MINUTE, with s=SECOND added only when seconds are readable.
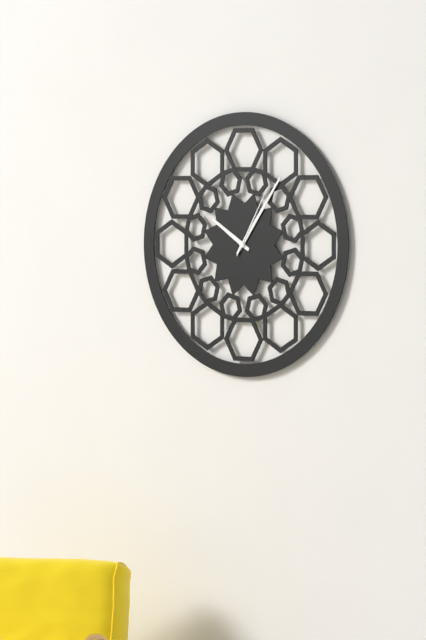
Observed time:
h=10 m=6 s=5
